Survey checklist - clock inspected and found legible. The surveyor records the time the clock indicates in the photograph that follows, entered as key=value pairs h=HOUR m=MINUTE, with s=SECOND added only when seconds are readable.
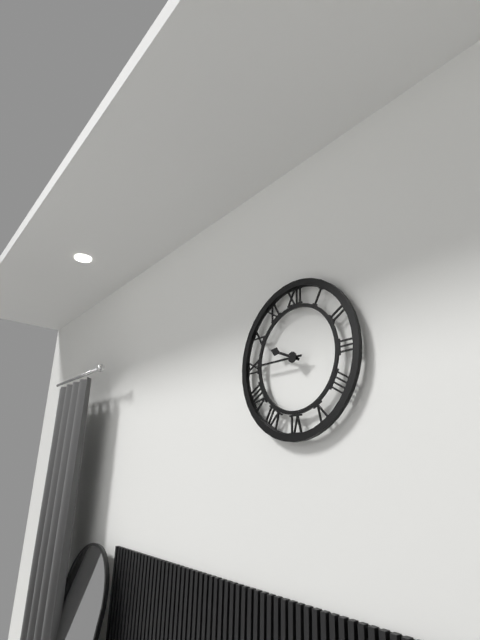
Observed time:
h=9 m=45
